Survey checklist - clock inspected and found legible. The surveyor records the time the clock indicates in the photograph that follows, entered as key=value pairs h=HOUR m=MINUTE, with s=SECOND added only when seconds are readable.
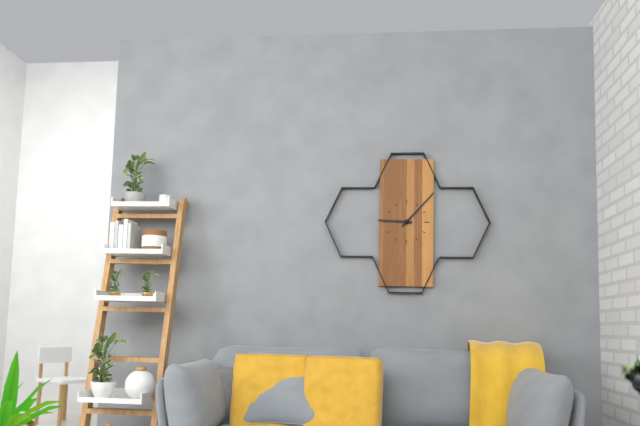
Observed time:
h=9 m=7
